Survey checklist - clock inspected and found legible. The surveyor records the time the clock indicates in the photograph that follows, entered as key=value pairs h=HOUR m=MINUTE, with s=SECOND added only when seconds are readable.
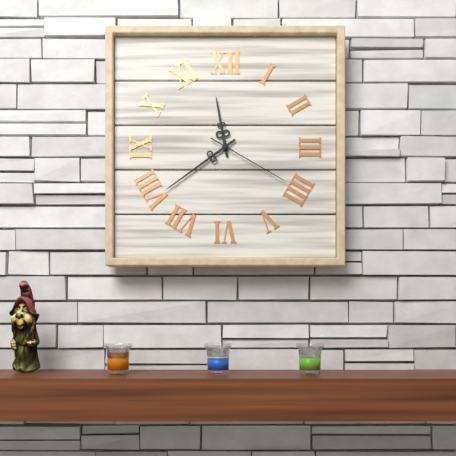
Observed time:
h=11 m=39 s=20
